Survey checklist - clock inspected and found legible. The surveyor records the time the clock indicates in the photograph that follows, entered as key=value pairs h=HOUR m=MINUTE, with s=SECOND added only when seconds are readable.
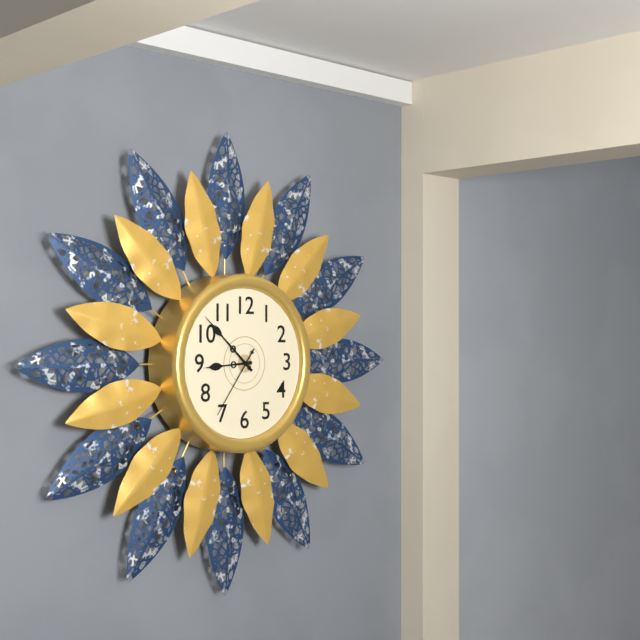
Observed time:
h=8 m=52 s=36
